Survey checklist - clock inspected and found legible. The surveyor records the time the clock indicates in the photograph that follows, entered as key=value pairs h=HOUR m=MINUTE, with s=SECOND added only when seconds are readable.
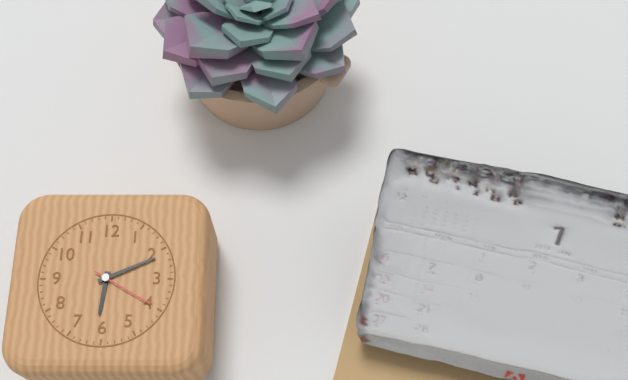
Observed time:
h=6 m=11 s=20
